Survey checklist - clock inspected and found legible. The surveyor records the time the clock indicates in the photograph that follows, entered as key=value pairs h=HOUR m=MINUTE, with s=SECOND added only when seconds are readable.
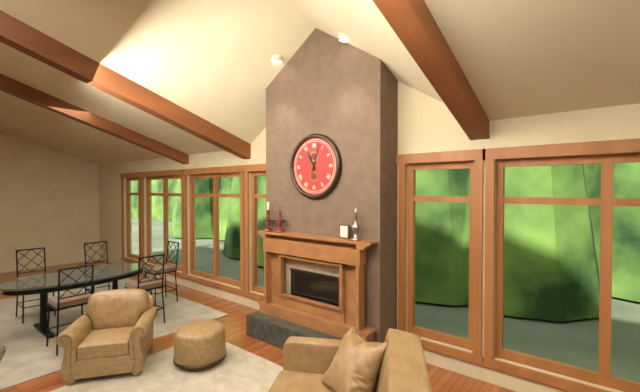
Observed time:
h=11 m=3
